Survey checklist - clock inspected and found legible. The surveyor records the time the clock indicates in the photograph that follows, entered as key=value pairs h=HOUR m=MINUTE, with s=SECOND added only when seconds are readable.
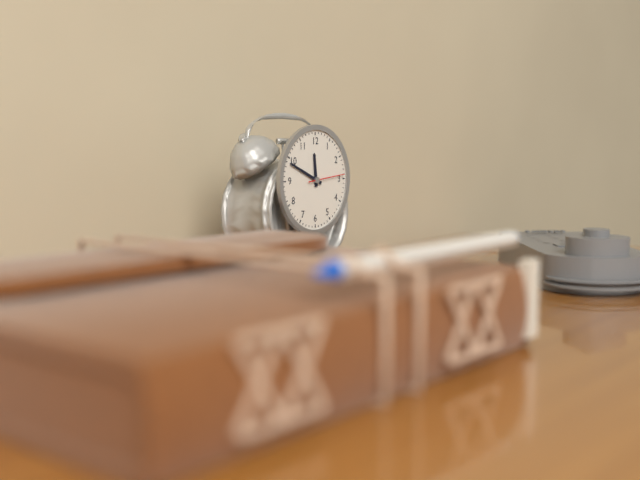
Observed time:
h=11 m=49
